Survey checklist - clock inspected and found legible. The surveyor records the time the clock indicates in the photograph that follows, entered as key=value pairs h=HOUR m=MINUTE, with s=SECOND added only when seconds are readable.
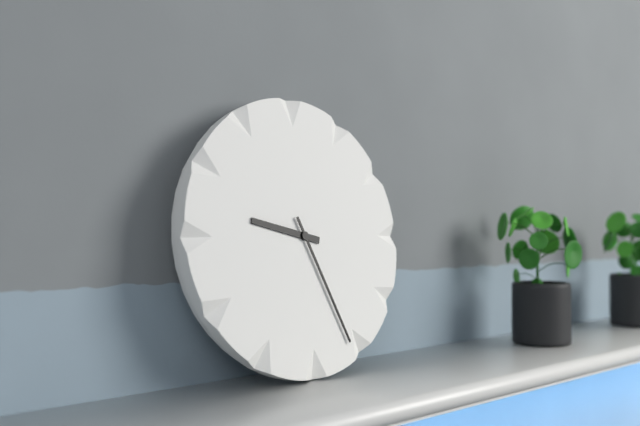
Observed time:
h=9 m=26
